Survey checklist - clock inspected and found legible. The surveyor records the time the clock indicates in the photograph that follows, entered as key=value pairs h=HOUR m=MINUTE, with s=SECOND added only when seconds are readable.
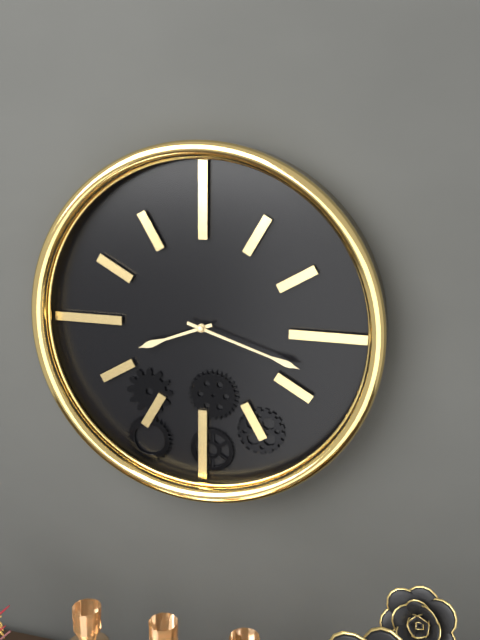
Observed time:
h=8 m=18
